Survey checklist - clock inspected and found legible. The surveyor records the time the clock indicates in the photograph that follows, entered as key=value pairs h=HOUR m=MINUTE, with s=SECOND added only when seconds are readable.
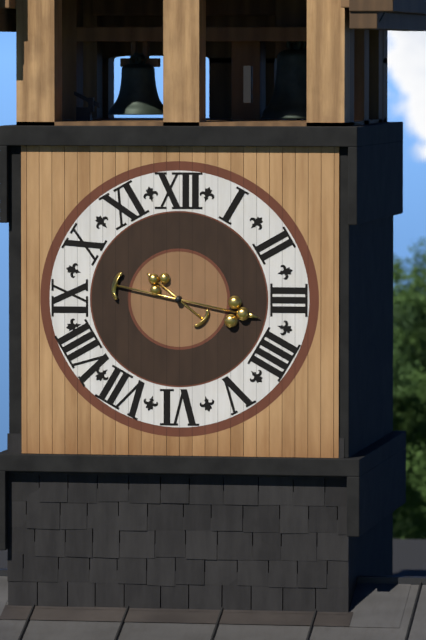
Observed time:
h=10 m=17
